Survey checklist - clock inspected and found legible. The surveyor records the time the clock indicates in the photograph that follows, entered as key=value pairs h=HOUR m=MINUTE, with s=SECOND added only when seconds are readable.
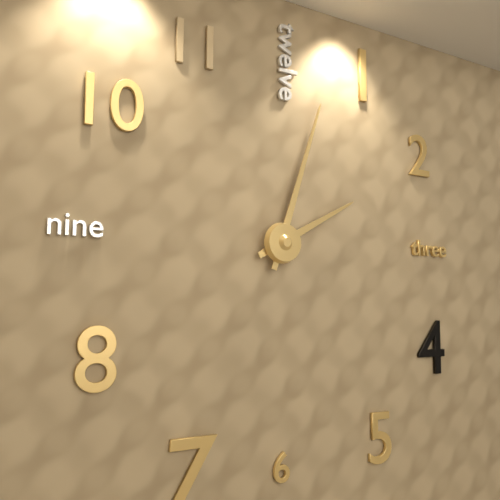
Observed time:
h=2 m=3
